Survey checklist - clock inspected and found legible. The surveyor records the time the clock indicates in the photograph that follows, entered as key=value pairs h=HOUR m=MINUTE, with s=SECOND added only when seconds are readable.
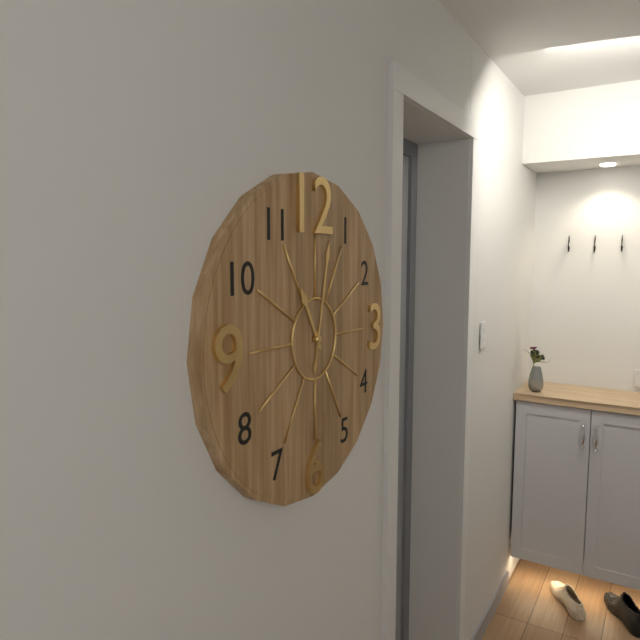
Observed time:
h=11 m=2
